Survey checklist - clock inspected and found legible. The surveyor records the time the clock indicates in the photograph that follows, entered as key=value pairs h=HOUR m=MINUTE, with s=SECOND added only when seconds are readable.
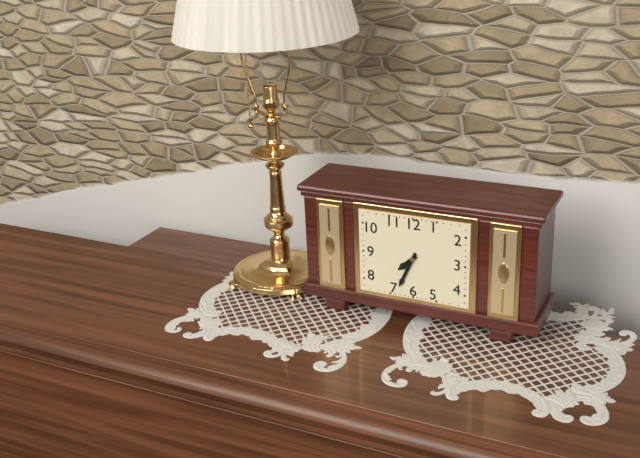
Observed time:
h=7 m=34
